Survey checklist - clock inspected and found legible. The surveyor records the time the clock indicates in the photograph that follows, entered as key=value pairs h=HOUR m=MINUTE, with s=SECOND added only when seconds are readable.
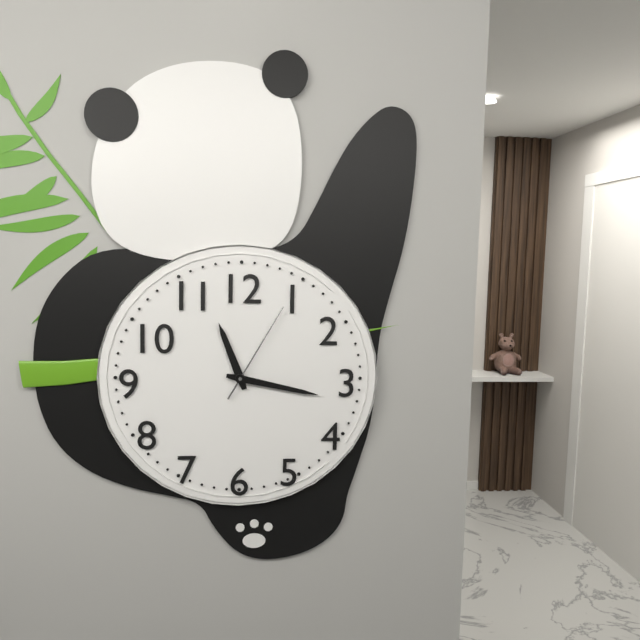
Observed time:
h=11 m=17 s=5
